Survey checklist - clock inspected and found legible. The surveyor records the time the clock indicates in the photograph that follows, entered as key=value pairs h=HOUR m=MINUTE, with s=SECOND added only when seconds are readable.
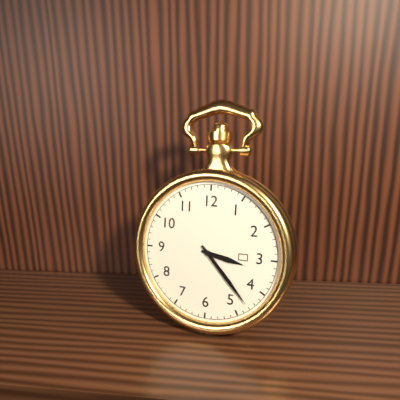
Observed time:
h=3 m=23
